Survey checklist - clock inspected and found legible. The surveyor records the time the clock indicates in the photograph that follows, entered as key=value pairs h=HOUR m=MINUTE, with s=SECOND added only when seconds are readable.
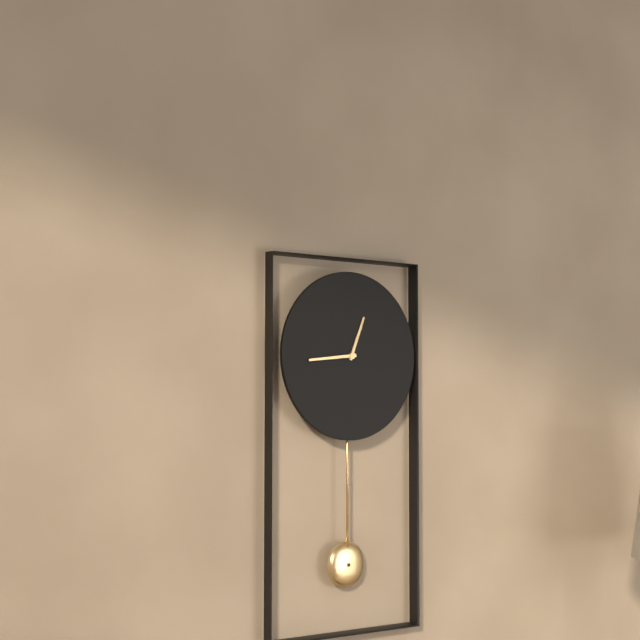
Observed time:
h=12 m=44
